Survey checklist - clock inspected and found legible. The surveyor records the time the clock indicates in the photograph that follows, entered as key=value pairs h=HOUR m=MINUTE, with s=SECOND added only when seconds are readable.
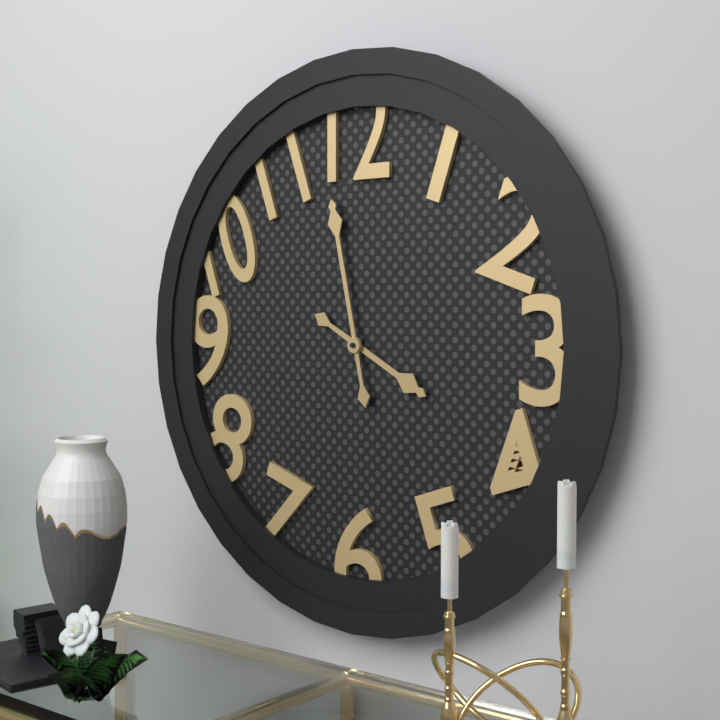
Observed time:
h=3 m=58
